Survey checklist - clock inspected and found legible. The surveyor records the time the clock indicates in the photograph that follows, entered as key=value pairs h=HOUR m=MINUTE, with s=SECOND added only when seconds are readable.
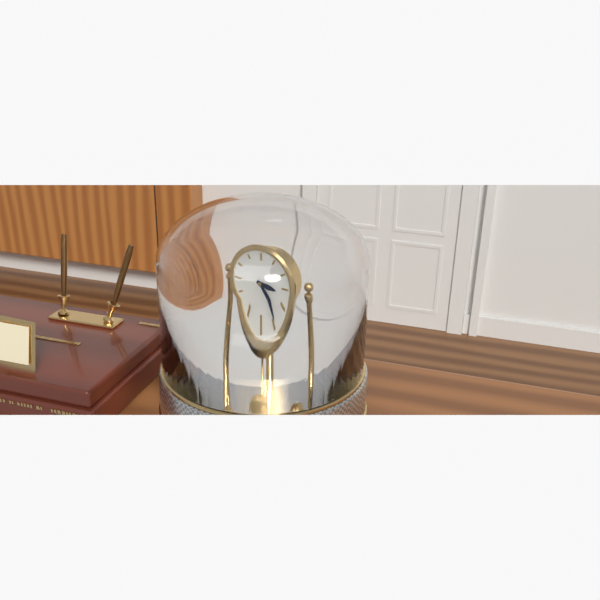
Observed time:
h=3 m=24
